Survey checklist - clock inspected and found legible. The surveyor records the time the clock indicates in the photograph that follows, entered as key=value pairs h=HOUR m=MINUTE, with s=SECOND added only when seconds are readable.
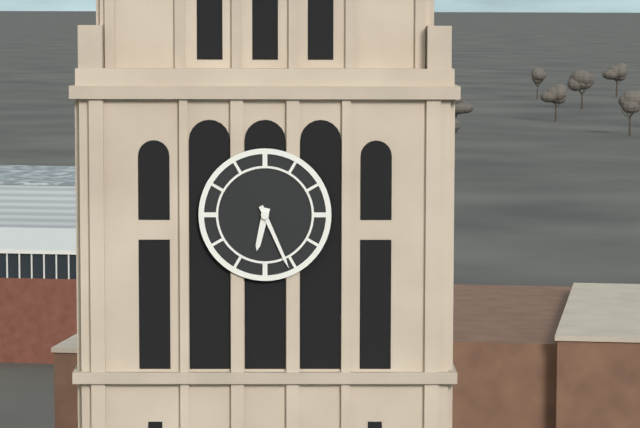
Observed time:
h=6 m=26
